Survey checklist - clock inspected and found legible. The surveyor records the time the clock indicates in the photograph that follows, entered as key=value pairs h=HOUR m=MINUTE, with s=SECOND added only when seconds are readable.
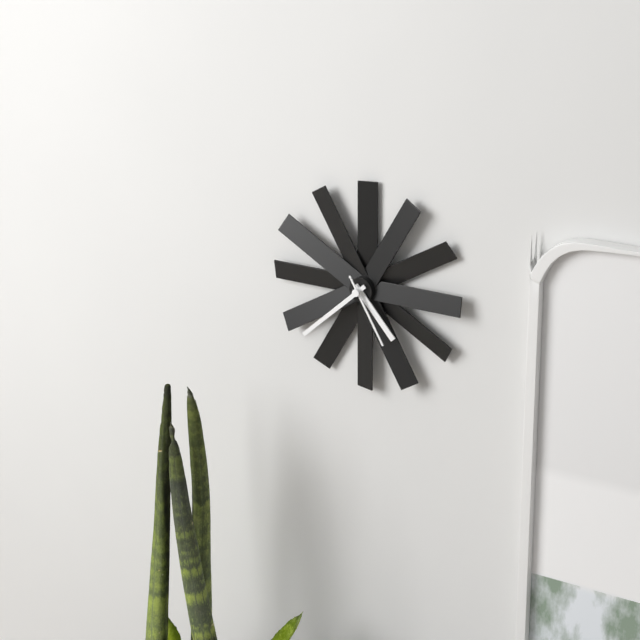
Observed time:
h=4 m=38 s=25
